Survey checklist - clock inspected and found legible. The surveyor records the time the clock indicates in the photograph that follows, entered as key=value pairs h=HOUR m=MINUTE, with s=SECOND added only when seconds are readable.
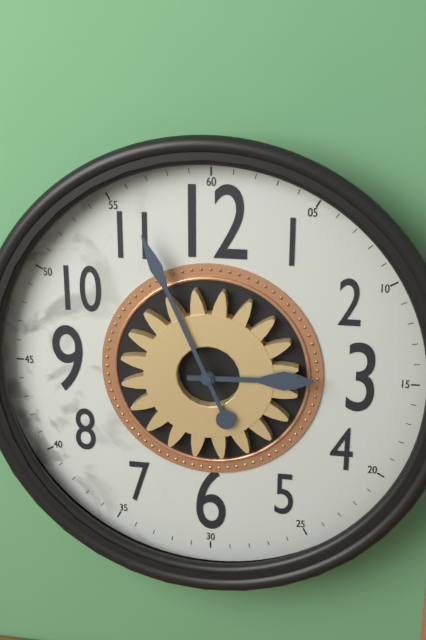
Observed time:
h=2 m=56
